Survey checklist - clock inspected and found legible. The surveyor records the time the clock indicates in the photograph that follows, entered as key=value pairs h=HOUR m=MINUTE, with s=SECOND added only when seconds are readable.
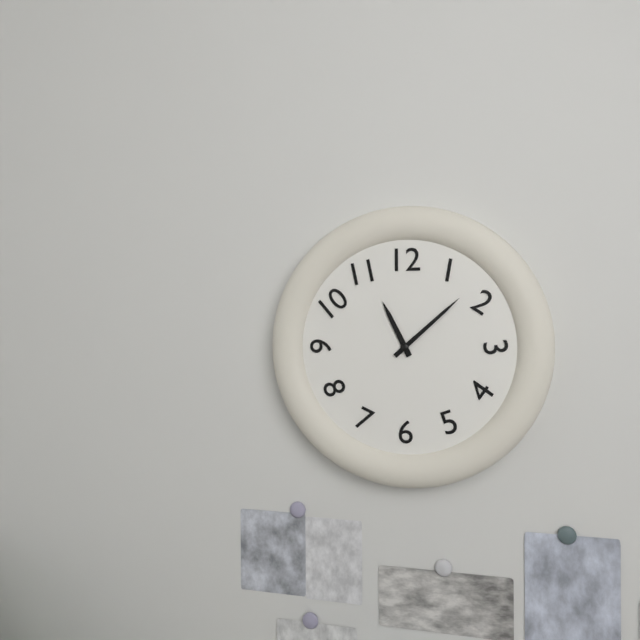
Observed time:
h=11 m=8
